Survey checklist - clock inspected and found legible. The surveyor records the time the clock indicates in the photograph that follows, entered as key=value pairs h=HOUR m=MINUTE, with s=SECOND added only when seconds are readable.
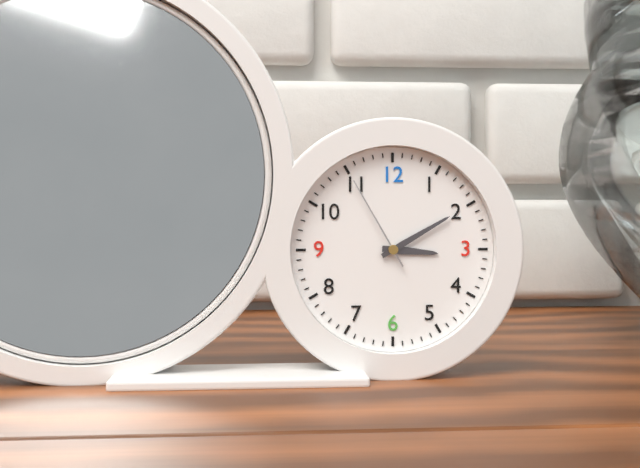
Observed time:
h=3 m=10 s=55
